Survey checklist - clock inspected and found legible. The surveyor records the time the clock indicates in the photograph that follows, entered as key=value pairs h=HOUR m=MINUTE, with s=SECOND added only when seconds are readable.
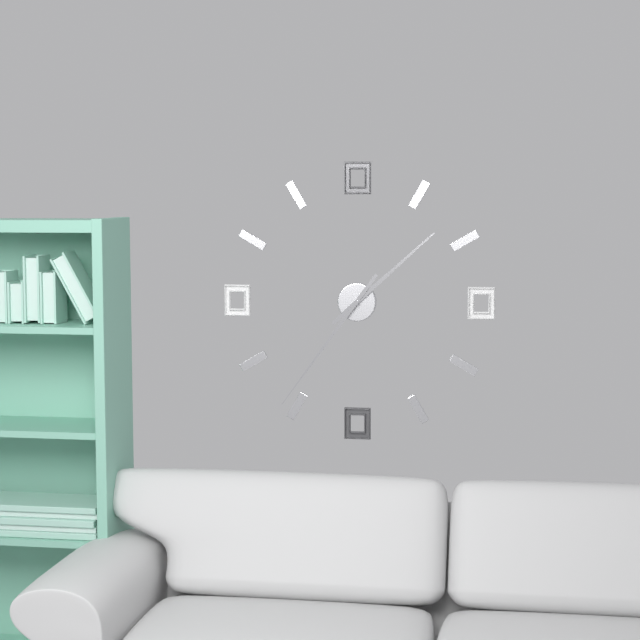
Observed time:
h=1 m=36
